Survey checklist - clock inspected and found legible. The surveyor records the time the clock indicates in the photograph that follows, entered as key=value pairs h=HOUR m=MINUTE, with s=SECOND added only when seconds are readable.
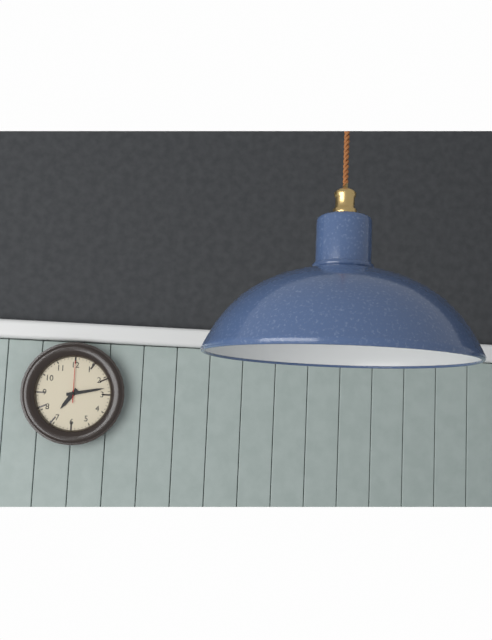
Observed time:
h=7 m=13
